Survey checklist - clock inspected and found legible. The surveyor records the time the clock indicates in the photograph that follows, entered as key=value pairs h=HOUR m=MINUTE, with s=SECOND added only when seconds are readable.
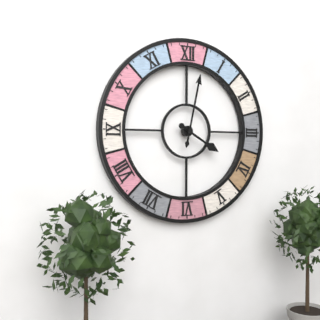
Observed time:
h=4 m=2
